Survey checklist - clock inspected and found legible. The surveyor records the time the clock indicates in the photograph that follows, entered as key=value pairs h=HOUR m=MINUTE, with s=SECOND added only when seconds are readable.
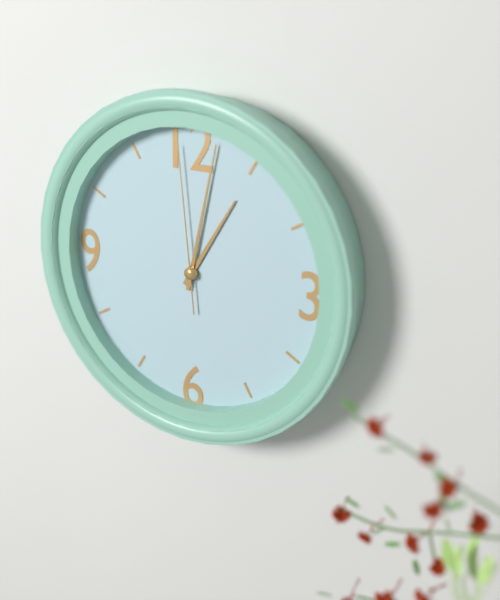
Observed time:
h=1 m=2 s=59
